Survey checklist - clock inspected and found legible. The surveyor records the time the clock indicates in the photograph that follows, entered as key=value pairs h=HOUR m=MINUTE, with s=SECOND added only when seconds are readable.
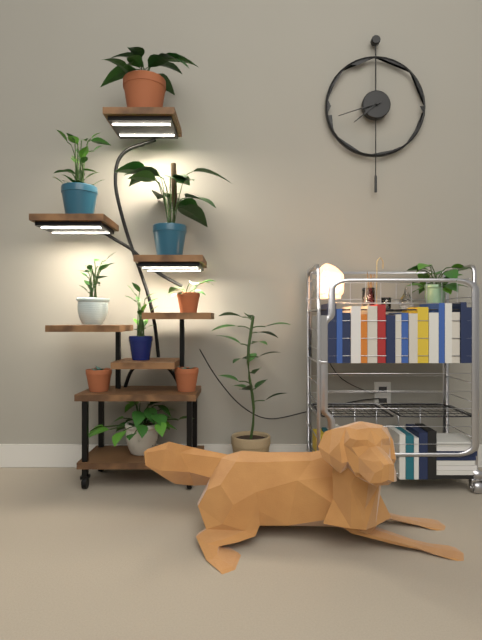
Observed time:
h=7 m=42
